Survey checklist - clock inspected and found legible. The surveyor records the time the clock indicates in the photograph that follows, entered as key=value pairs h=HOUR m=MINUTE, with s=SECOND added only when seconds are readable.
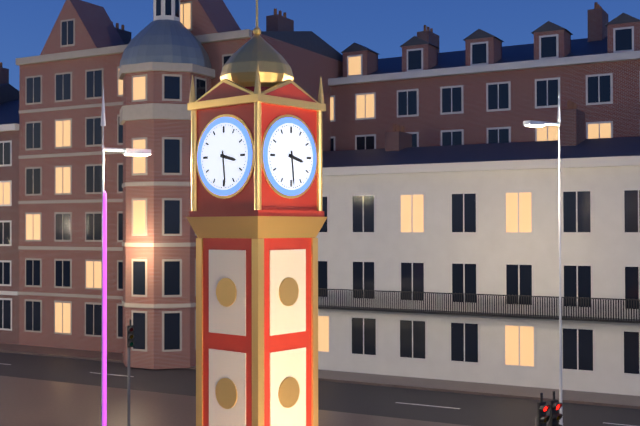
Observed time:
h=3 m=29
